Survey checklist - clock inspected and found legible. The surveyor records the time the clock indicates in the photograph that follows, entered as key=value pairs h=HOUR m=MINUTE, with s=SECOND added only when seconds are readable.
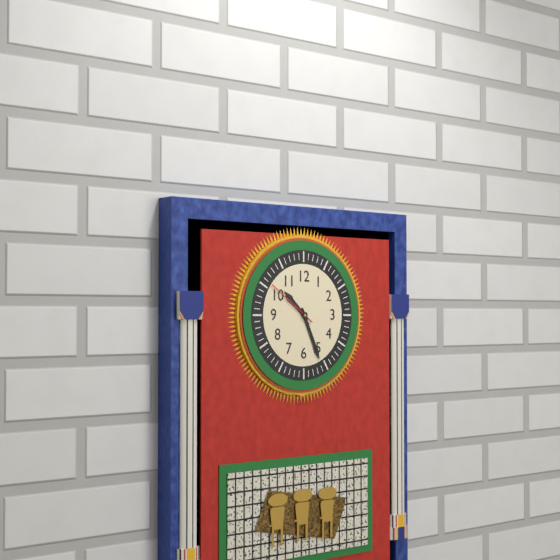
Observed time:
h=10 m=26 s=51
